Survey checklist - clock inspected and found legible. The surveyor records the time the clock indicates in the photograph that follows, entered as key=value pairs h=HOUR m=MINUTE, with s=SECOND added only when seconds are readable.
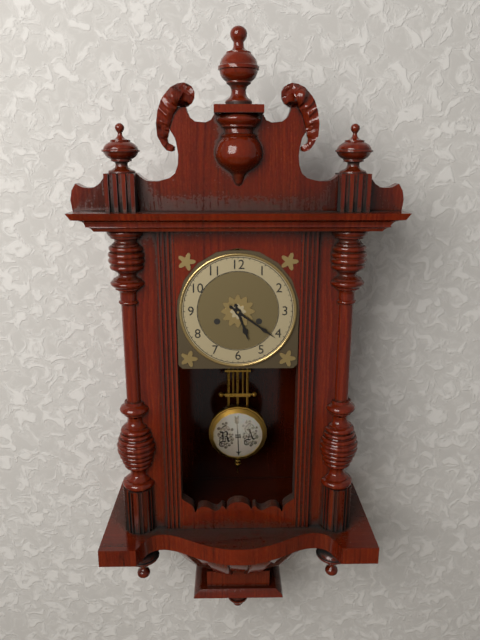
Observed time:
h=5 m=21
